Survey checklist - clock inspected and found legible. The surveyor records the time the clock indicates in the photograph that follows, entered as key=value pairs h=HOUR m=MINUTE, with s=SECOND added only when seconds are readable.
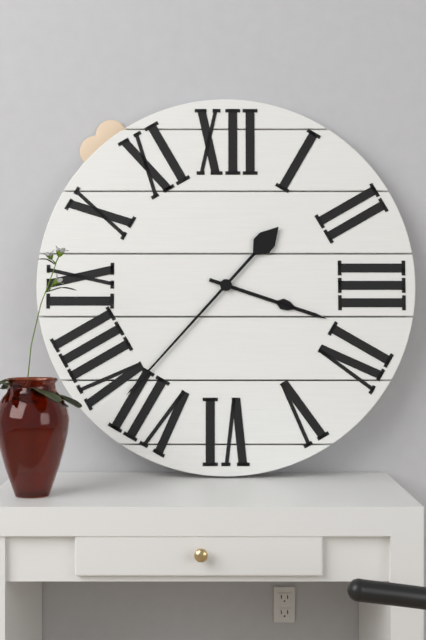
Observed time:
h=3 m=37
